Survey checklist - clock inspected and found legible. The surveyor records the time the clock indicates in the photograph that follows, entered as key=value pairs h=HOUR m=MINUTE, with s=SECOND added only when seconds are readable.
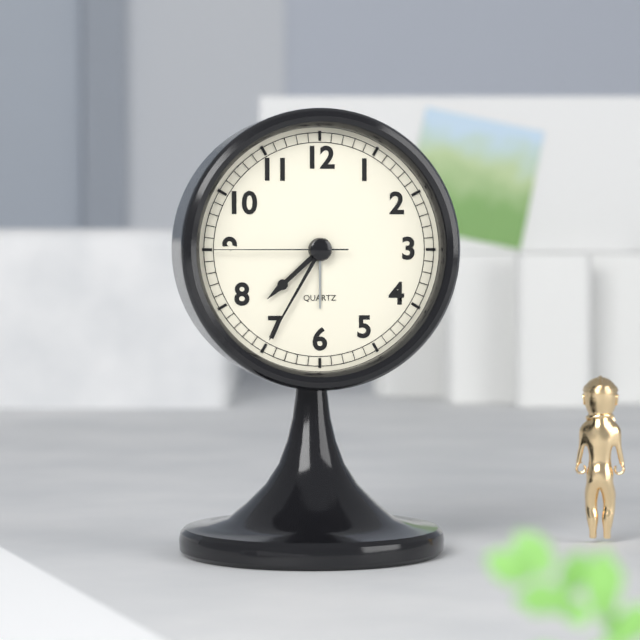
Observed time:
h=7 m=35 s=45
